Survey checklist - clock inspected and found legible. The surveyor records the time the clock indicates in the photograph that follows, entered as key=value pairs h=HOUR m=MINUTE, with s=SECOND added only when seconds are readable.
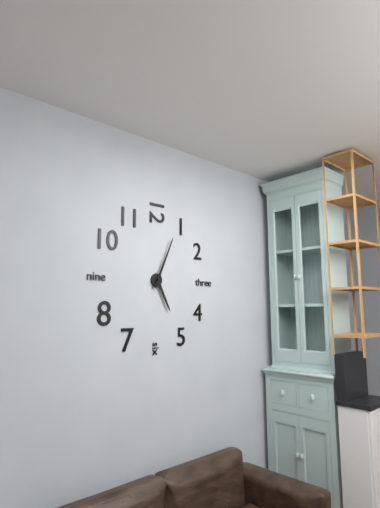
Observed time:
h=5 m=4
